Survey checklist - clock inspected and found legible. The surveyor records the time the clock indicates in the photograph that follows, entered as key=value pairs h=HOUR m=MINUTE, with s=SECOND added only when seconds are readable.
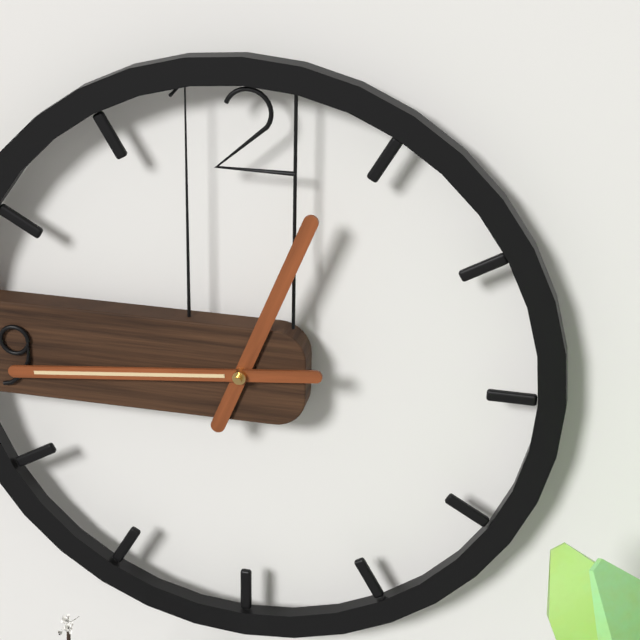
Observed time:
h=12 m=44
